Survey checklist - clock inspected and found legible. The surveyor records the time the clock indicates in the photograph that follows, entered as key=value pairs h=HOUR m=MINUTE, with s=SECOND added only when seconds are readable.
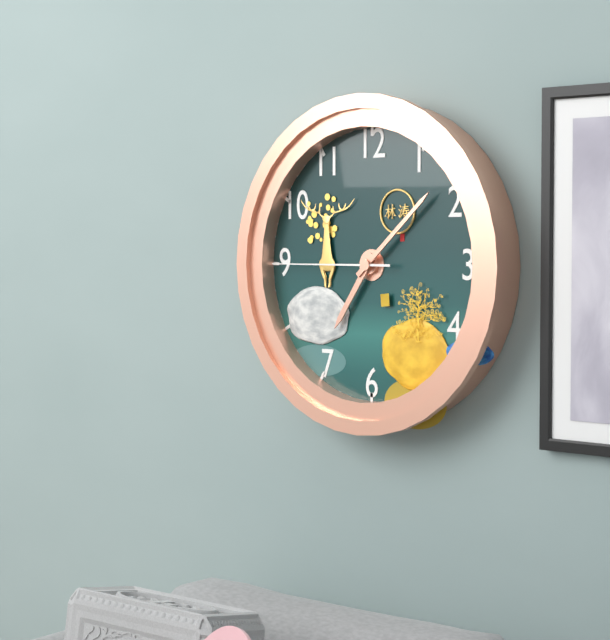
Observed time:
h=7 m=8 s=45
